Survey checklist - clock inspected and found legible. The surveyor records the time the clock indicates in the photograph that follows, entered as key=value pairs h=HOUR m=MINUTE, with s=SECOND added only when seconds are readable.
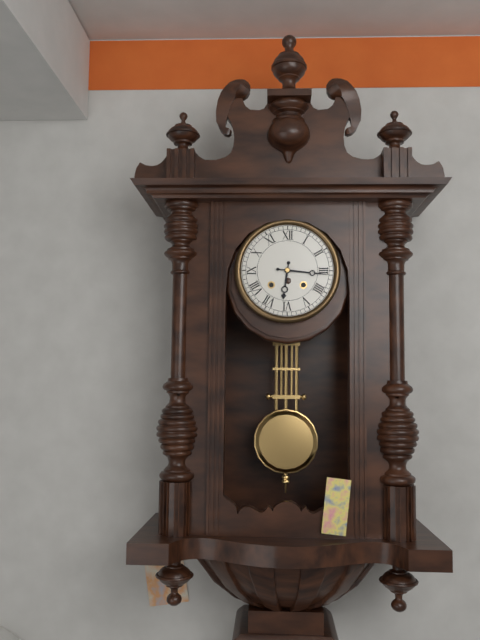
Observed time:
h=6 m=16
